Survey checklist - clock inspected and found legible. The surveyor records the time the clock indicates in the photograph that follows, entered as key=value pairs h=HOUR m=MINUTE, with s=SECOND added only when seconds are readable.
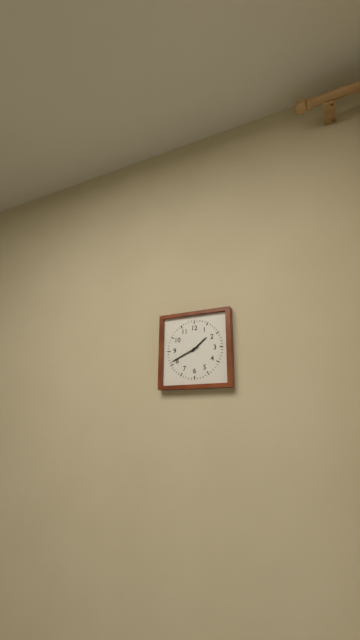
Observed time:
h=1 m=41
